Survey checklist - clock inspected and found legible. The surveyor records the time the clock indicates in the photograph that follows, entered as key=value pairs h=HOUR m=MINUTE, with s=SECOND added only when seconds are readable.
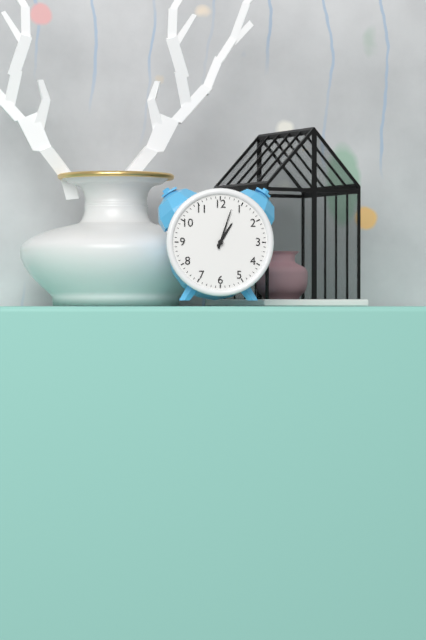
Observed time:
h=1 m=3
